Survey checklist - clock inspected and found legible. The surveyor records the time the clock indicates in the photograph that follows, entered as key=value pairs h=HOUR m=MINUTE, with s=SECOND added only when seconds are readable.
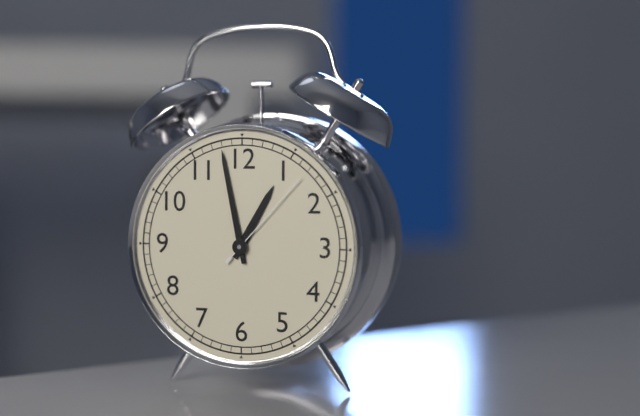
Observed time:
h=12 m=58 s=7
